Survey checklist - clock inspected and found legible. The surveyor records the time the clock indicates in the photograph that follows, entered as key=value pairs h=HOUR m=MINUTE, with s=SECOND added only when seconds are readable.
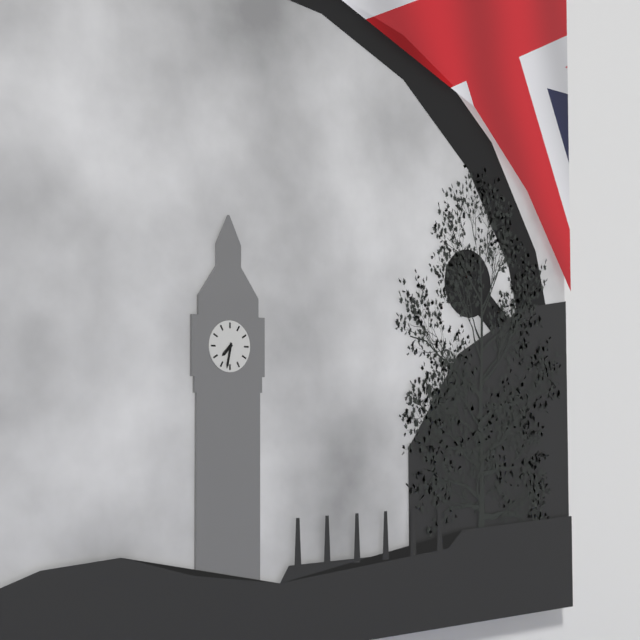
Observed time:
h=7 m=32
